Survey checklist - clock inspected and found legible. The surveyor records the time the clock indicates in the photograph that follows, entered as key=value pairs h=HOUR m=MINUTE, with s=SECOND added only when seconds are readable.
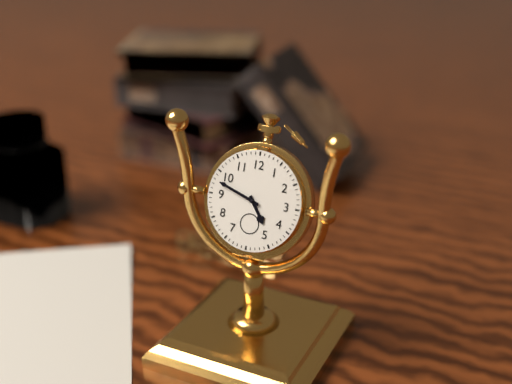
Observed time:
h=4 m=48
